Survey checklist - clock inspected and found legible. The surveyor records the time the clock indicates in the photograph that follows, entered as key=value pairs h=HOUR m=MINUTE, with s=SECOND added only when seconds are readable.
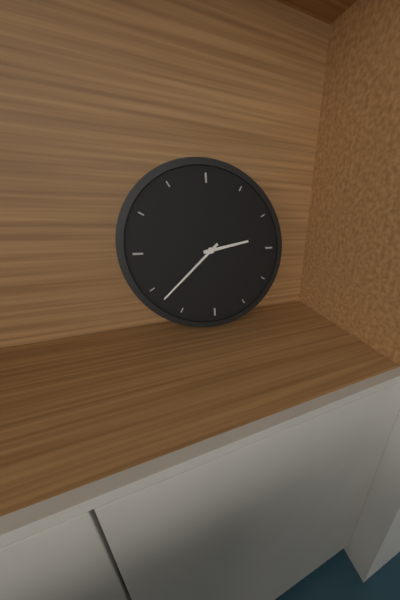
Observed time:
h=2 m=38
